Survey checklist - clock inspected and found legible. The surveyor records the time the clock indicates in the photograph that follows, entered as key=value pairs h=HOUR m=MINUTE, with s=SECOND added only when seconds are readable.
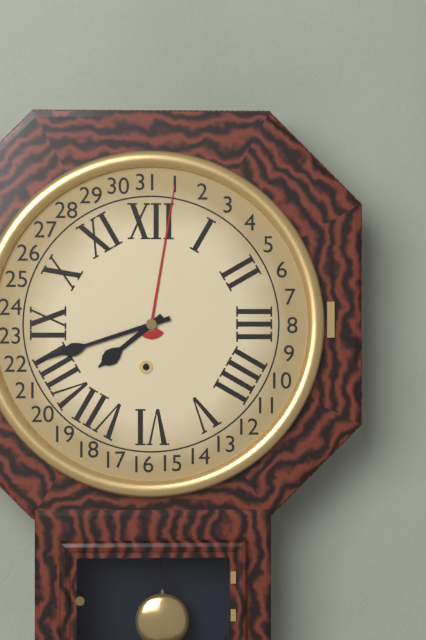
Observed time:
h=7 m=42
